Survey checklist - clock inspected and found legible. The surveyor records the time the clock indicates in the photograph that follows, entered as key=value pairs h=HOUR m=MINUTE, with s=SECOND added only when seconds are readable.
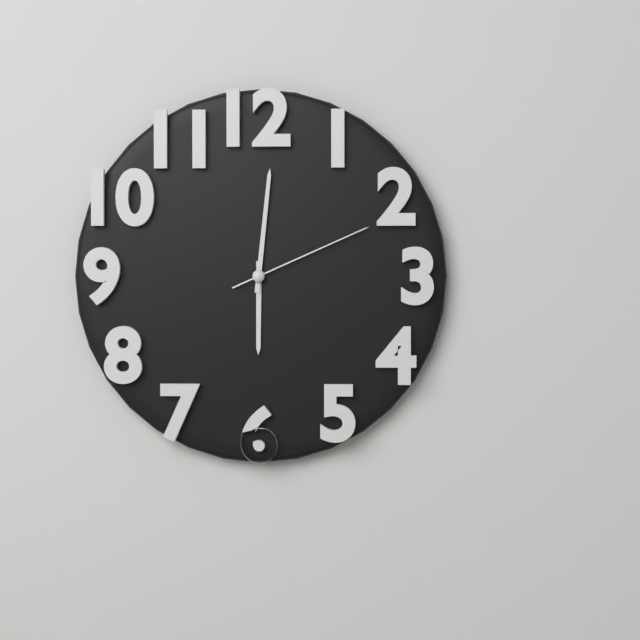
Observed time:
h=6 m=1 s=11
